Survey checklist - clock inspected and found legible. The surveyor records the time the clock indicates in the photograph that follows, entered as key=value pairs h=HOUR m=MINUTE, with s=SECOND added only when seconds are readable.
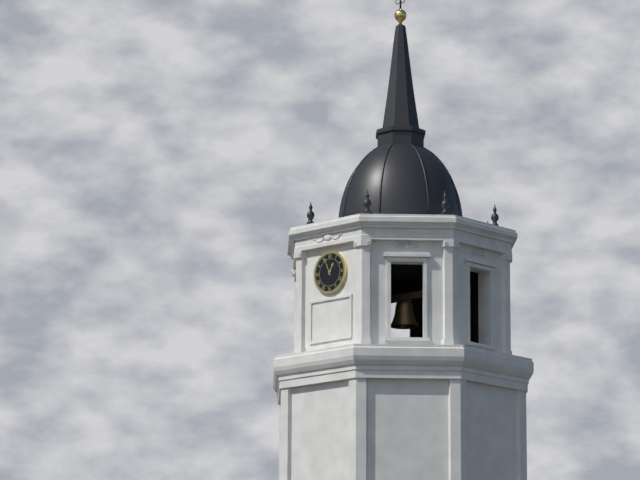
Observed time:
h=12 m=56
